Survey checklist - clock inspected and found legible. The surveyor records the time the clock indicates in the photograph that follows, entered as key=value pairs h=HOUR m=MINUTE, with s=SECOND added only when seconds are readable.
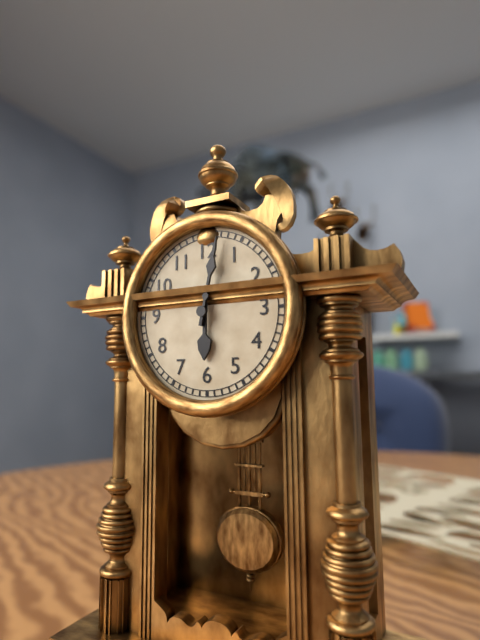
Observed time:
h=6 m=2
